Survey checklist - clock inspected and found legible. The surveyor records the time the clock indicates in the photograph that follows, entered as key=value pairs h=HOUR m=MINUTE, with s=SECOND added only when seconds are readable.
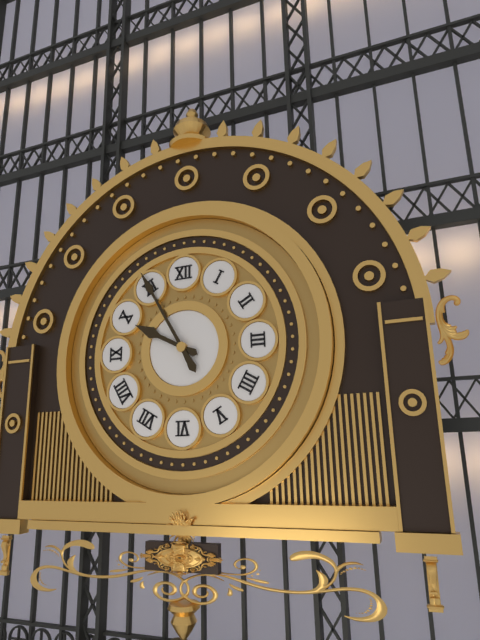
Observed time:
h=9 m=55
